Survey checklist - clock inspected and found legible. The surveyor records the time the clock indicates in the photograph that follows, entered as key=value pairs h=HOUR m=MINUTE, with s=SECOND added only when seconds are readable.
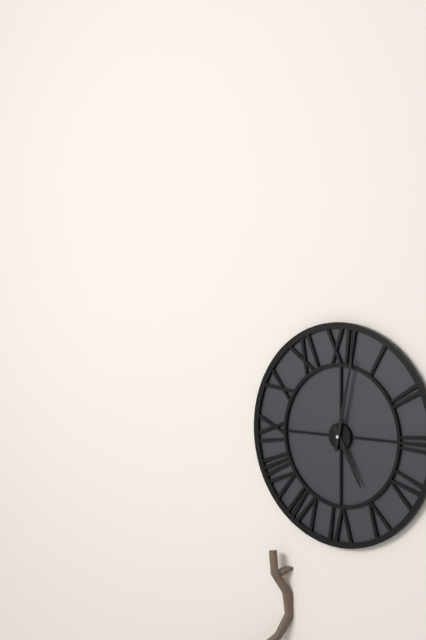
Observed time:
h=5 m=2
